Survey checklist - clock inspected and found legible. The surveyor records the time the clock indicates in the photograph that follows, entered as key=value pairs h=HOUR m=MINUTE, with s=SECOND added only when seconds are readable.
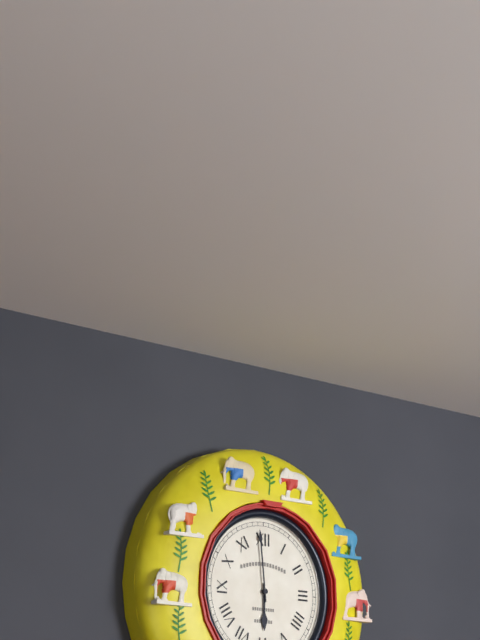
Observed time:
h=5 m=59
